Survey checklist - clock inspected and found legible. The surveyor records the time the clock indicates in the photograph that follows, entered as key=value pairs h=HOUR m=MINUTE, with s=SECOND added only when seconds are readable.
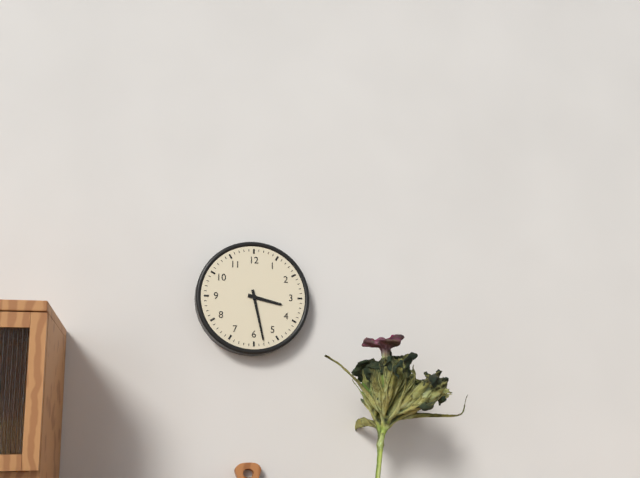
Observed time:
h=3 m=28
